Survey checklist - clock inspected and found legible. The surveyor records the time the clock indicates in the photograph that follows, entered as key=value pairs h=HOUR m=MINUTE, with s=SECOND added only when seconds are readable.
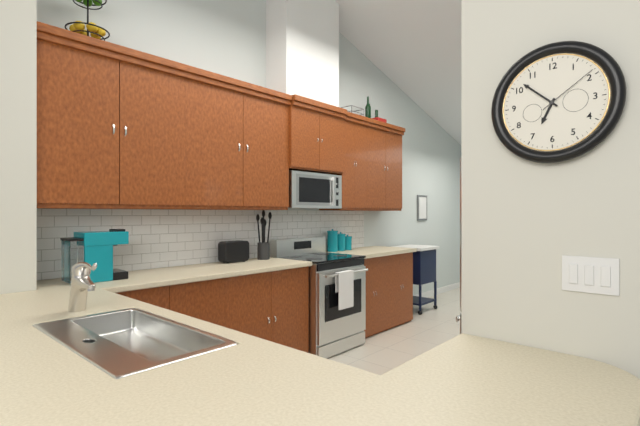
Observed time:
h=6 m=52 s=9
